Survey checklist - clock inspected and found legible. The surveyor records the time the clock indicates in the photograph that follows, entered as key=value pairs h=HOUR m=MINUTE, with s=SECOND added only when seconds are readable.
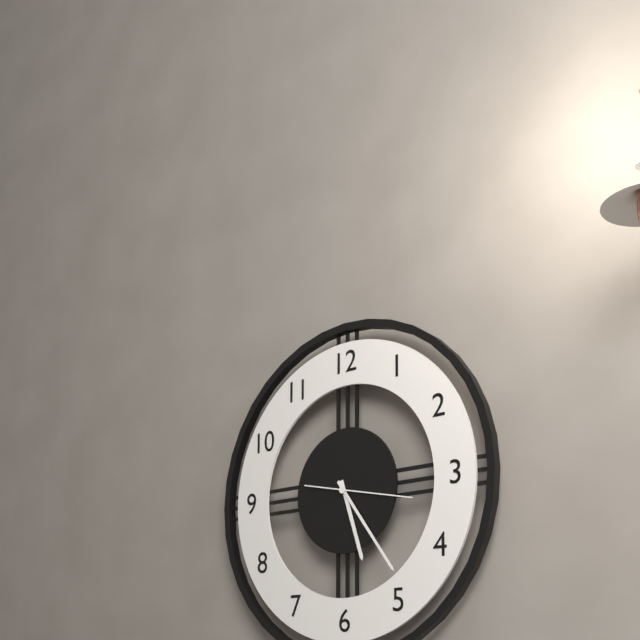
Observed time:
h=5 m=24 s=17
